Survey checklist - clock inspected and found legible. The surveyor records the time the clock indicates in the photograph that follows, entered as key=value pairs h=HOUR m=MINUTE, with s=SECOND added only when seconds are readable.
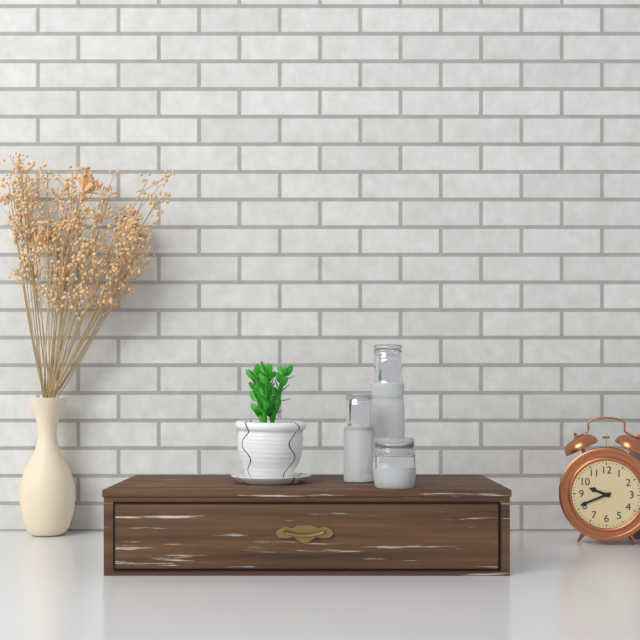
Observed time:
h=9 m=41
